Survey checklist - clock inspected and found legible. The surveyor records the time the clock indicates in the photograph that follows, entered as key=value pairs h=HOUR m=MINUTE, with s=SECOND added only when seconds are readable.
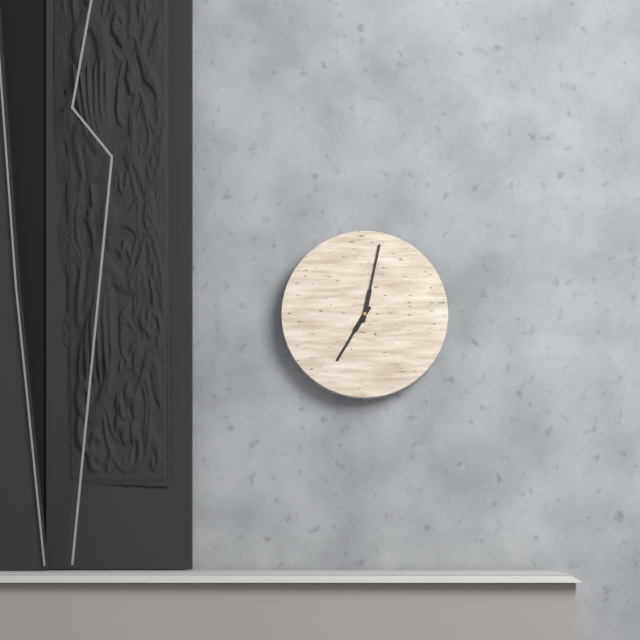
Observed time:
h=7 m=2
